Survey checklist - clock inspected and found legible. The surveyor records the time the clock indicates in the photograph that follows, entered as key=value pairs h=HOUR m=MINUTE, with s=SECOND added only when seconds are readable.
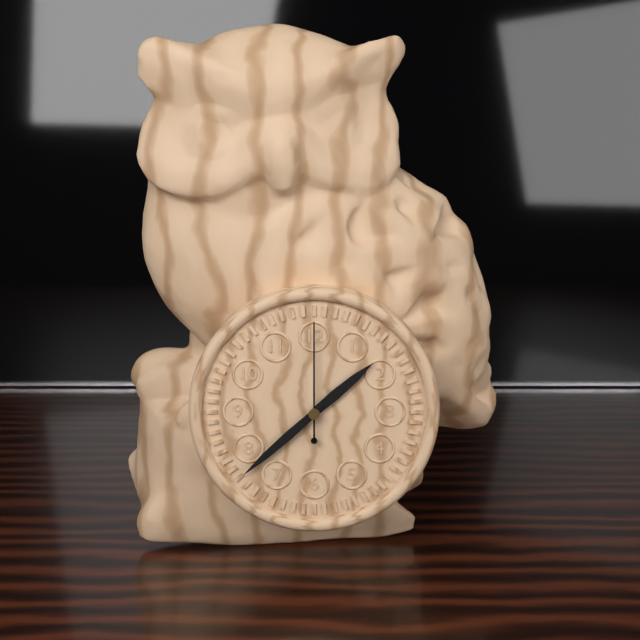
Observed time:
h=1 m=38 s=0
